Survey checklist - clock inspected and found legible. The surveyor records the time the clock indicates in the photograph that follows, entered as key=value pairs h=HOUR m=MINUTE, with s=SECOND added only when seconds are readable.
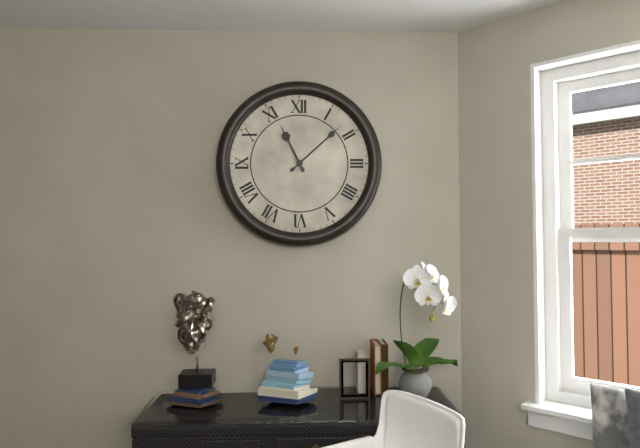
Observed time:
h=11 m=8
